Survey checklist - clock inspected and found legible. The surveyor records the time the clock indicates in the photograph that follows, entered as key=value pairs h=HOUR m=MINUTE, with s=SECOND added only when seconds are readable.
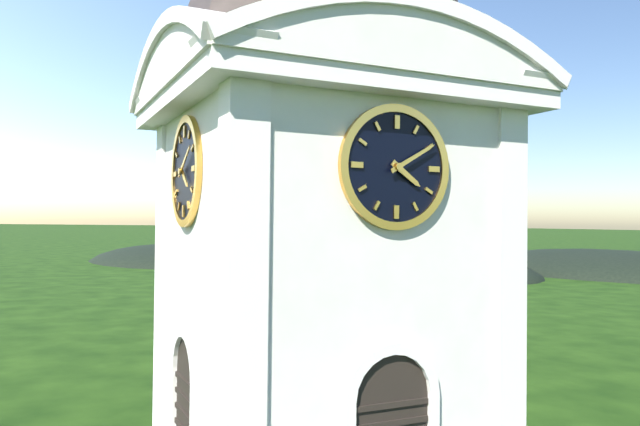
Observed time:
h=4 m=10
